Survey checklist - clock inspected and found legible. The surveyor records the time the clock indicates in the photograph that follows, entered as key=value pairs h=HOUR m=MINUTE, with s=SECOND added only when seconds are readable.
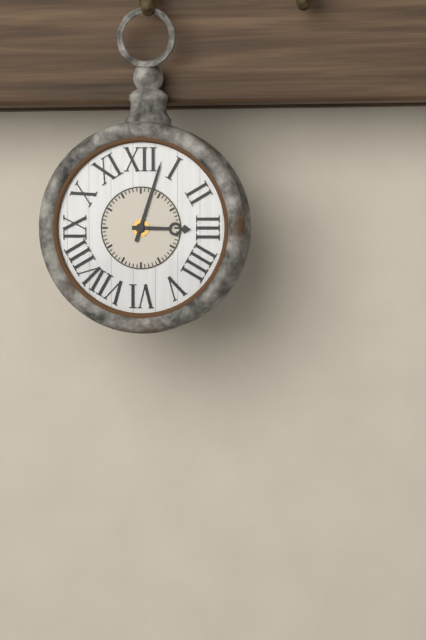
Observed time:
h=3 m=3
